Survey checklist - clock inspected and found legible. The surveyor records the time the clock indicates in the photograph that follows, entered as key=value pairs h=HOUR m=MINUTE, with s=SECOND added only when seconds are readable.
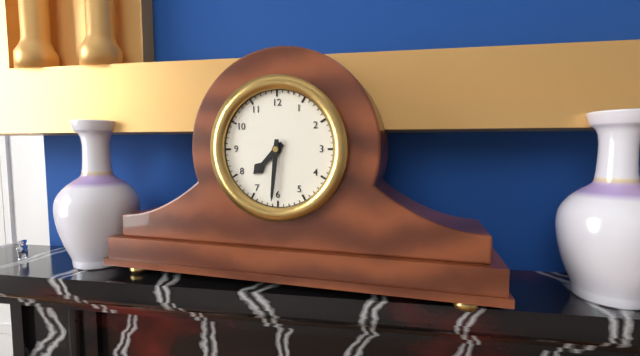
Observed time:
h=7 m=31
